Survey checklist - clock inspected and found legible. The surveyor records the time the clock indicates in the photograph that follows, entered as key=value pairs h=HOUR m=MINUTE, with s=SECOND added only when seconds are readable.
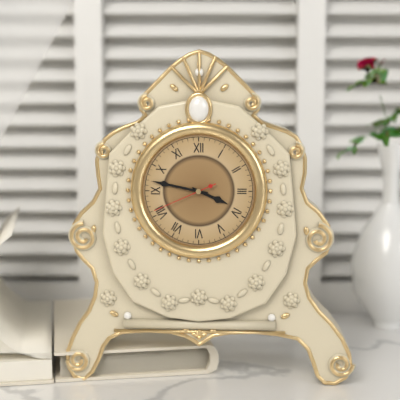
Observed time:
h=3 m=47 s=41
